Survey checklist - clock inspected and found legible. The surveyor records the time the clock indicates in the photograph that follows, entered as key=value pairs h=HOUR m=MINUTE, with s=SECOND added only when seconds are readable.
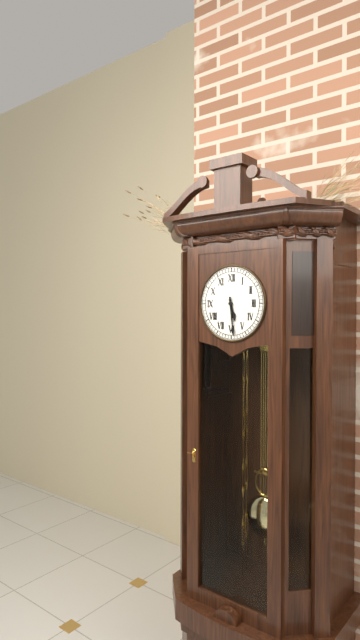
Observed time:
h=5 m=29
